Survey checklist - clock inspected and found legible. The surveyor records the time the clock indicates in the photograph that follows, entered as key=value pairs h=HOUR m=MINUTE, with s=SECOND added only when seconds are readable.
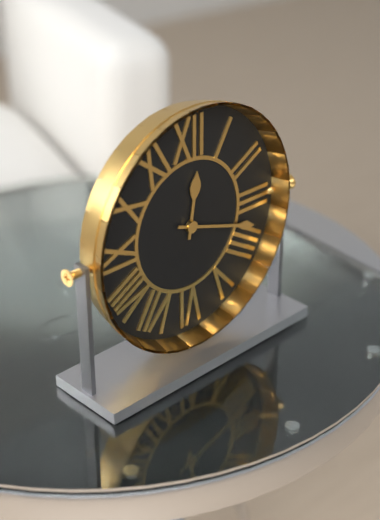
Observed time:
h=12 m=18
